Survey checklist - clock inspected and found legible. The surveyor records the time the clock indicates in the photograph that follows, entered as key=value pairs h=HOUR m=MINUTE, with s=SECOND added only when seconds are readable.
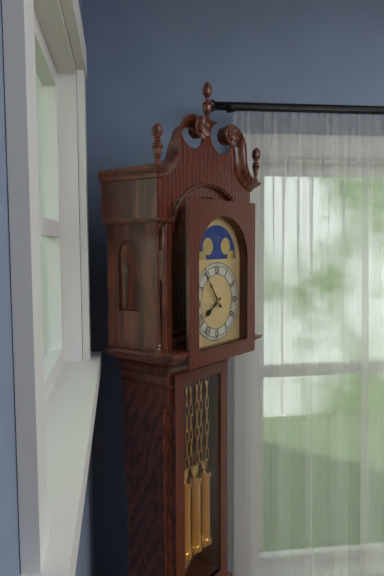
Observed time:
h=7 m=54
